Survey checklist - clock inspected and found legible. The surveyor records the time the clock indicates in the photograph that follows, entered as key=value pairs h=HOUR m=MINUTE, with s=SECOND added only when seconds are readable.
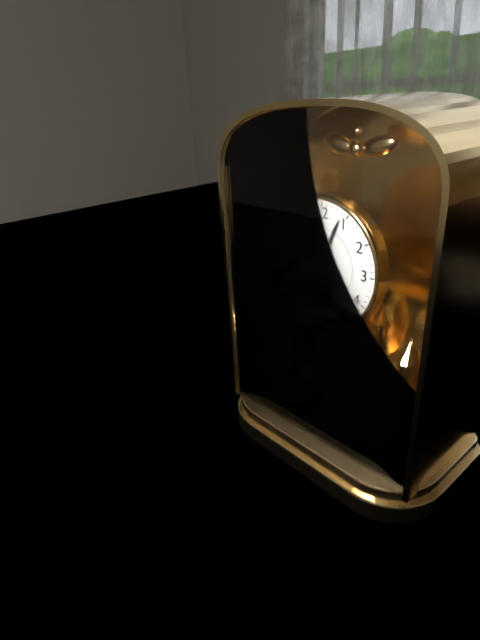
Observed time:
h=4 m=4 s=24
